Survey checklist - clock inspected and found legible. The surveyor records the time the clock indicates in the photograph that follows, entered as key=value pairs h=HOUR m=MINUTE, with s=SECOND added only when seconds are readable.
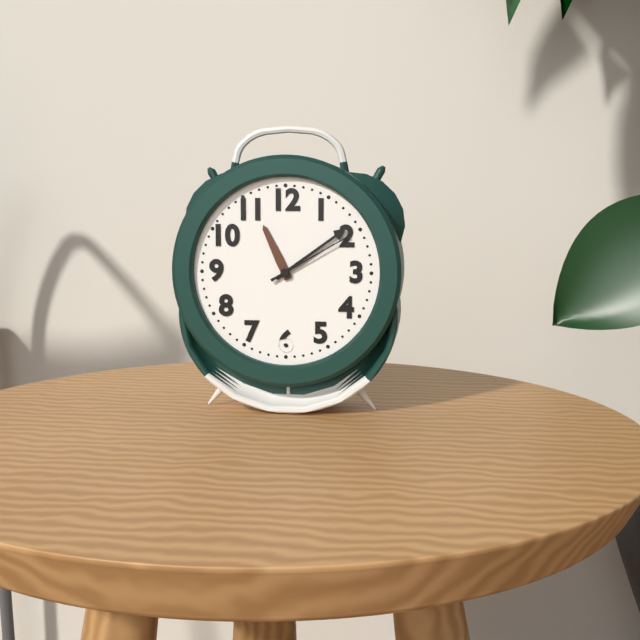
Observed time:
h=11 m=9 s=10
